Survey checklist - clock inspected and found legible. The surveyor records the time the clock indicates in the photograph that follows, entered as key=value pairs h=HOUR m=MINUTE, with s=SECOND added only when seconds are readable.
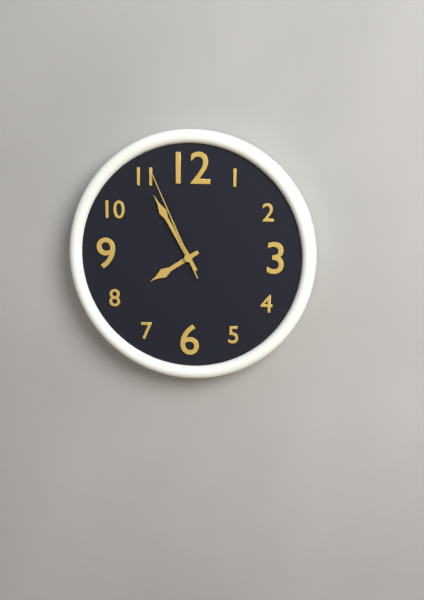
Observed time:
h=7 m=55 s=56
